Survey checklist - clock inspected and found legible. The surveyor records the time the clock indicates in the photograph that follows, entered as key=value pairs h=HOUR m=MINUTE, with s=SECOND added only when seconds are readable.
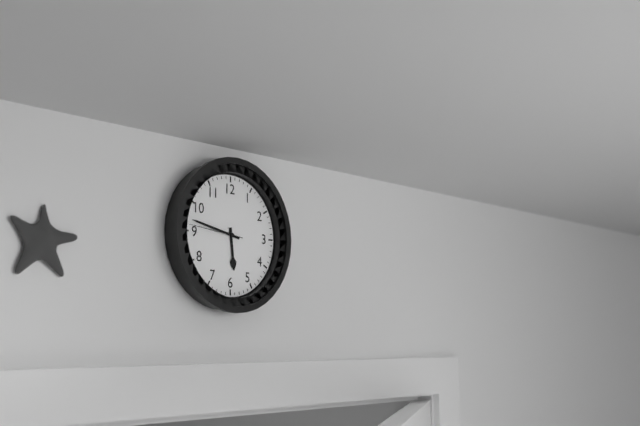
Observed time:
h=5 m=47 s=46
